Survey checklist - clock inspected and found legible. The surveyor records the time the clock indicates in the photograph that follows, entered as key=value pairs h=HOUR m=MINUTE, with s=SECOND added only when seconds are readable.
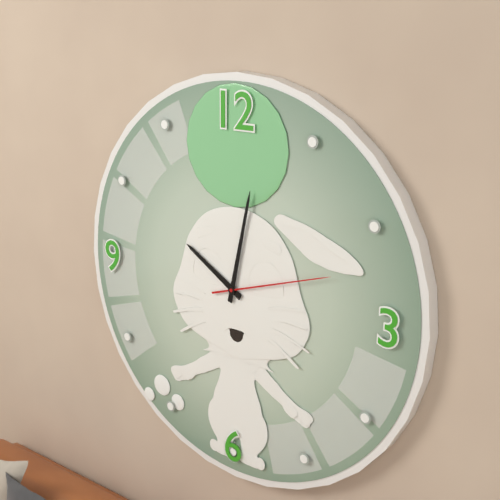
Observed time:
h=10 m=2 s=12
